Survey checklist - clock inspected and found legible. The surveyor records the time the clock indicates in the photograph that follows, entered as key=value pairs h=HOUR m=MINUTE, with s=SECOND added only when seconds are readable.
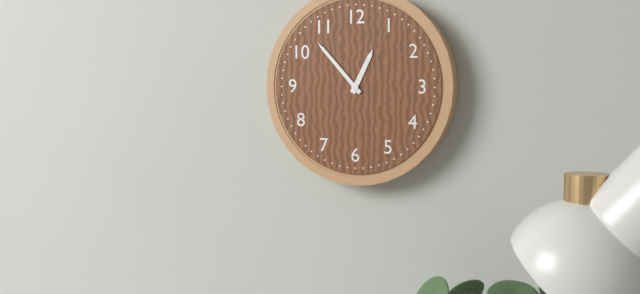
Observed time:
h=12 m=53
